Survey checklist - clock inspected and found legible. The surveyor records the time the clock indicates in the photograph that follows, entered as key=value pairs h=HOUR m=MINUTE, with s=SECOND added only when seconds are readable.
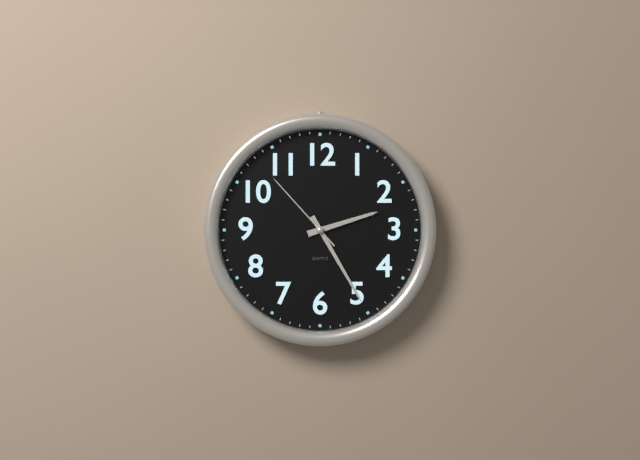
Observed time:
h=2 m=25 s=53
